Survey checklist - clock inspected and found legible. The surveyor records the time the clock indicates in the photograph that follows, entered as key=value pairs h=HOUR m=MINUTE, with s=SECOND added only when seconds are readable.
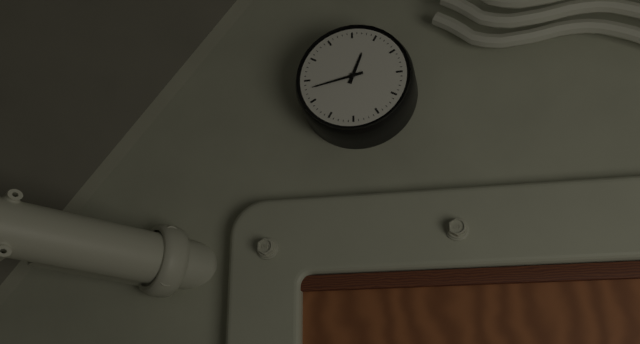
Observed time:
h=12 m=43
